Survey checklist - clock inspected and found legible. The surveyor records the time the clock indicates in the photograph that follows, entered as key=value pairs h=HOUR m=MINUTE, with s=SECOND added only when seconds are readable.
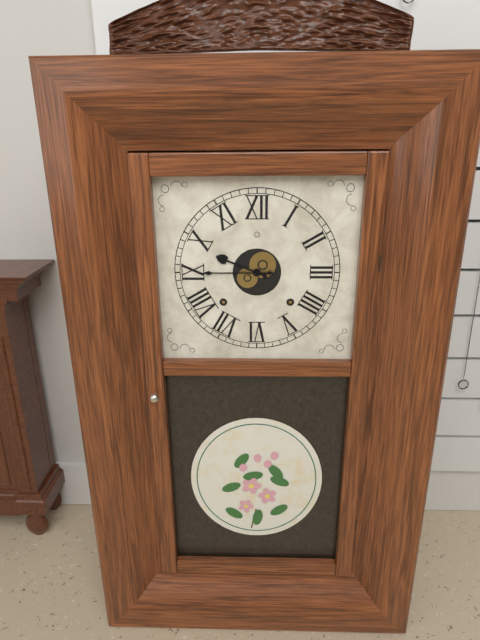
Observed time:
h=9 m=45
